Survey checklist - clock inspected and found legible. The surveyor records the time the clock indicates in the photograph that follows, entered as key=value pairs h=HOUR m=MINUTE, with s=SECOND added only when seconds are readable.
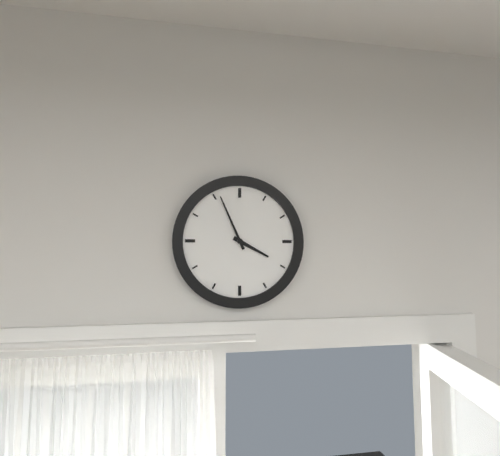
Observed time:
h=3 m=56
